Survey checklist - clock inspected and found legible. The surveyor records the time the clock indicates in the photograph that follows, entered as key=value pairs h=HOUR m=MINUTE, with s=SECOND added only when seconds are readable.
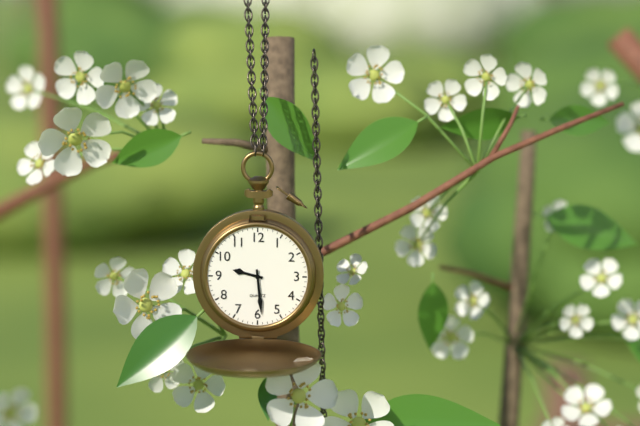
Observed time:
h=9 m=29
